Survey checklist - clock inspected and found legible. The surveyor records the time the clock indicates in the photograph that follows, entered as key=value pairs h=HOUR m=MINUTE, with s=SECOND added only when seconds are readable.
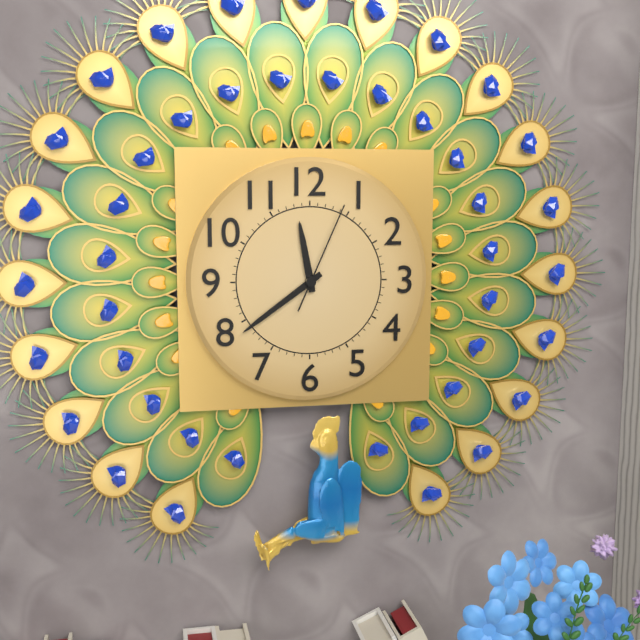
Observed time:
h=11 m=39 s=4
